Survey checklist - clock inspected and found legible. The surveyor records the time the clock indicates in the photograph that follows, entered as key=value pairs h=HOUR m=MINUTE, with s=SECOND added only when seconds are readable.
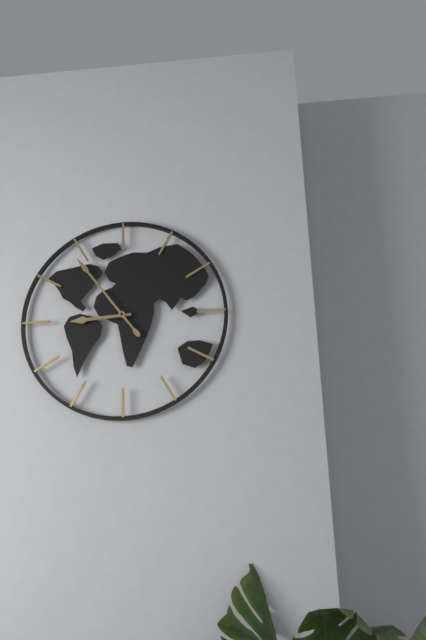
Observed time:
h=8 m=54
